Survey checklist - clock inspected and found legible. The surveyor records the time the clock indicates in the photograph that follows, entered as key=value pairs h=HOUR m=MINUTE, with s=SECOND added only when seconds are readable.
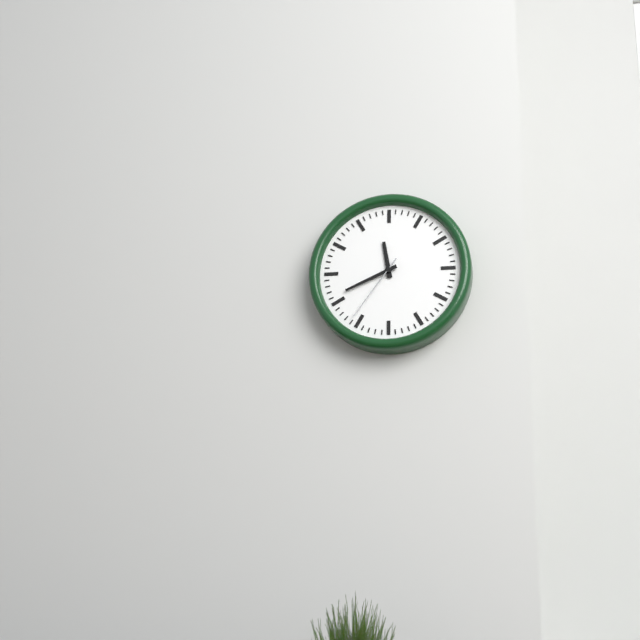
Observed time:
h=11 m=41 s=36
